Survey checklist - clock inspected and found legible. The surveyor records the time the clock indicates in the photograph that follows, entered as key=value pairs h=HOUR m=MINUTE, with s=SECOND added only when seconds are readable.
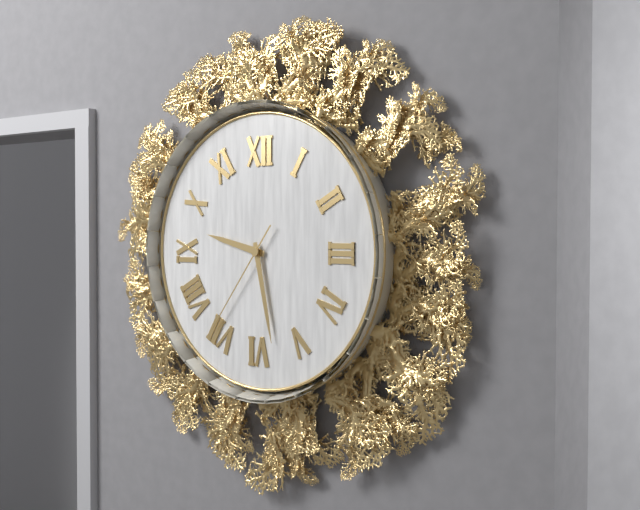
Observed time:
h=9 m=28 s=36
